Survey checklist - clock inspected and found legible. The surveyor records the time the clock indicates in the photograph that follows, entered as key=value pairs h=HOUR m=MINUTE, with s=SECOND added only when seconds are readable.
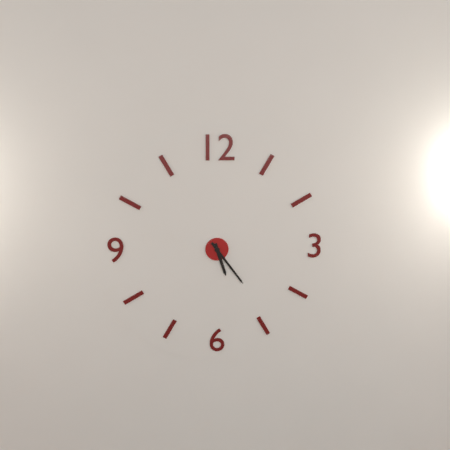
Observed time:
h=5 m=24
